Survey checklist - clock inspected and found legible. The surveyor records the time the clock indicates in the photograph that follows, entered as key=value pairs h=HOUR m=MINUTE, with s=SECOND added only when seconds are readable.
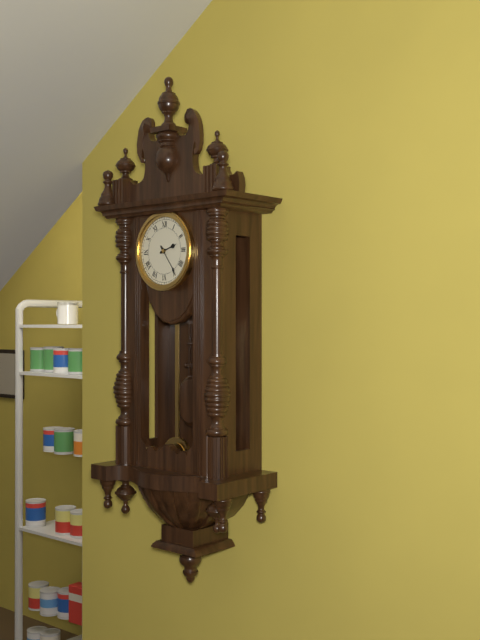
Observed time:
h=2 m=24
